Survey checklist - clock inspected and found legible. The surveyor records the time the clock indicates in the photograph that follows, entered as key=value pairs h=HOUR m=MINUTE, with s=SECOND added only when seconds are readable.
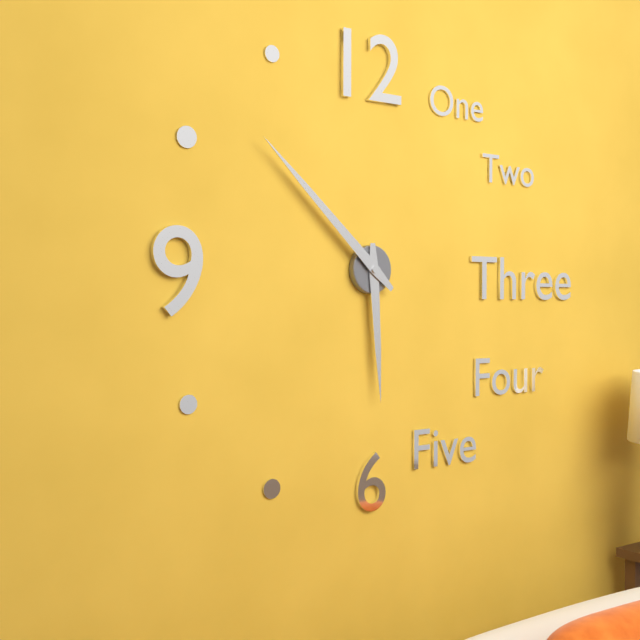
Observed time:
h=5 m=52
